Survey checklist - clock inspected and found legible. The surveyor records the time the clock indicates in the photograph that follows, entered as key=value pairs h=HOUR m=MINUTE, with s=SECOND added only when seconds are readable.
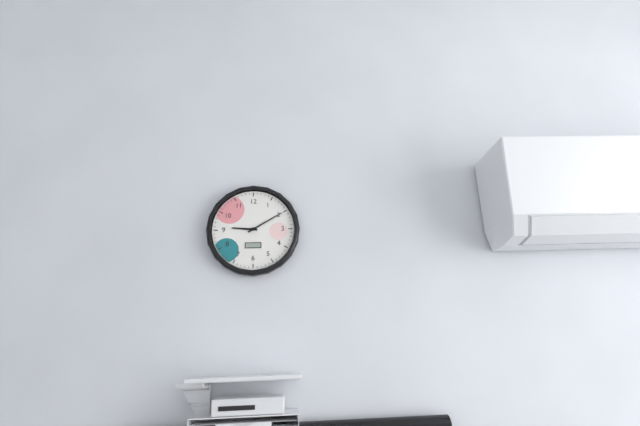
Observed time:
h=9 m=10
